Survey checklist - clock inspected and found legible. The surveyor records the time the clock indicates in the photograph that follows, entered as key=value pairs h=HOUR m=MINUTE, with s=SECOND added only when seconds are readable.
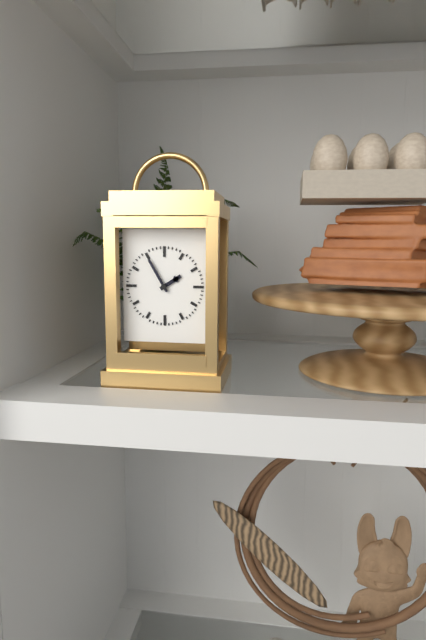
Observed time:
h=1 m=55
